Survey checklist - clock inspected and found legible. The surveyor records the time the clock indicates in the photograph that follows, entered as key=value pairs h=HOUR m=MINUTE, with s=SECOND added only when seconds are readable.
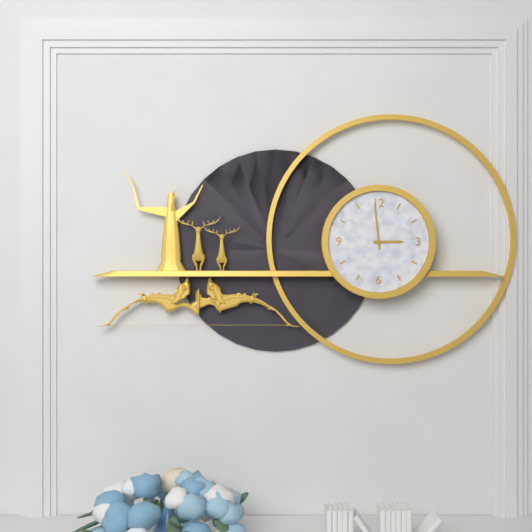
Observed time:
h=2 m=59
